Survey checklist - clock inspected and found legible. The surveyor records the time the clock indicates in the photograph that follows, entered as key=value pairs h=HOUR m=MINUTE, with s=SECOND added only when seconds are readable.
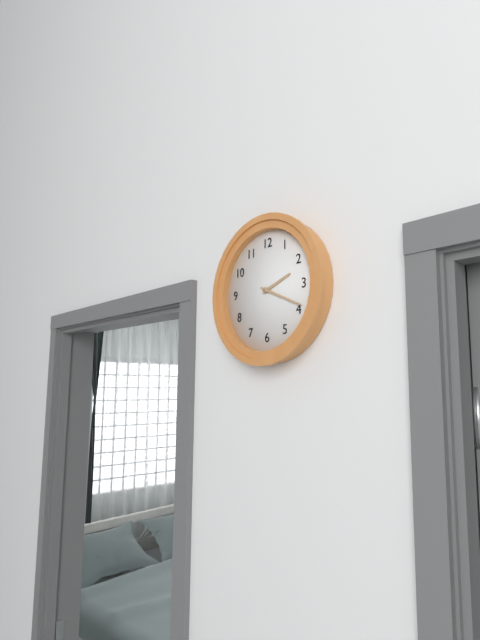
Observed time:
h=2 m=19
